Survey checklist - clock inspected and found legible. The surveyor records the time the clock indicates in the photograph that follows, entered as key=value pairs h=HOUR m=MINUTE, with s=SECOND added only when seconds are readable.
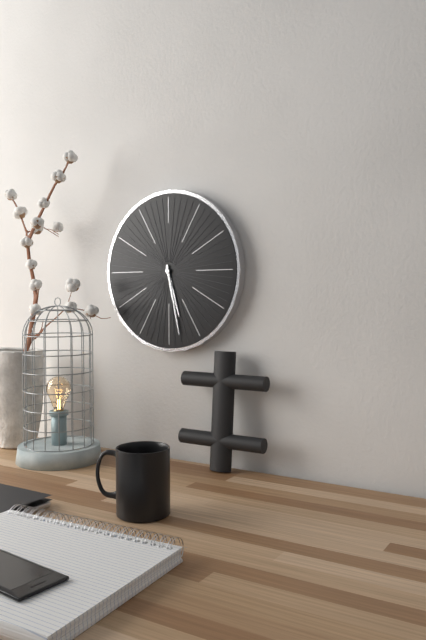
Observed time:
h=5 m=28
